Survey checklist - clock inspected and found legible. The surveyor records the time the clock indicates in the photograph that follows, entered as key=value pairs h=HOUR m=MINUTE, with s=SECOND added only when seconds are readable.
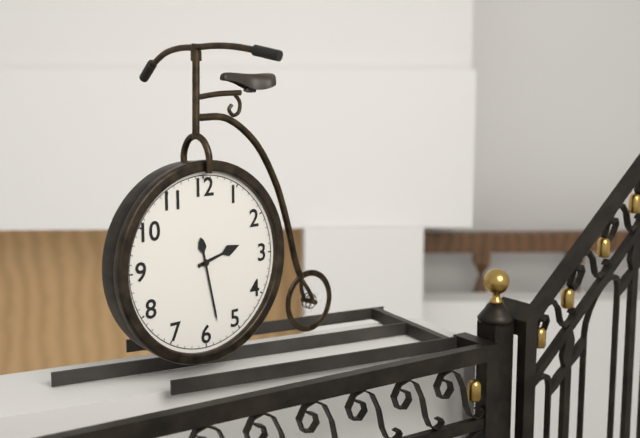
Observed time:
h=2 m=28
